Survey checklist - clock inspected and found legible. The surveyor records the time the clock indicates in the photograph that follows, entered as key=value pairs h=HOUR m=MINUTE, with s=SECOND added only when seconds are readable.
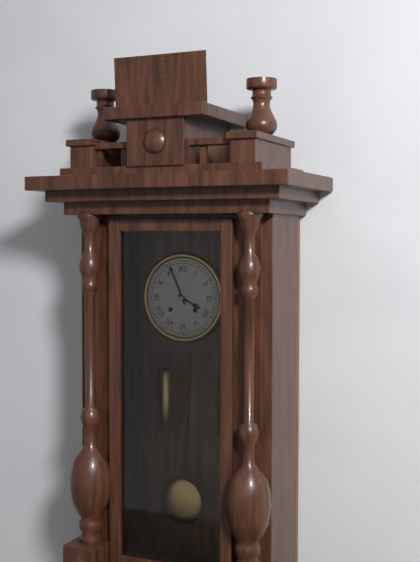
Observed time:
h=3 m=56
